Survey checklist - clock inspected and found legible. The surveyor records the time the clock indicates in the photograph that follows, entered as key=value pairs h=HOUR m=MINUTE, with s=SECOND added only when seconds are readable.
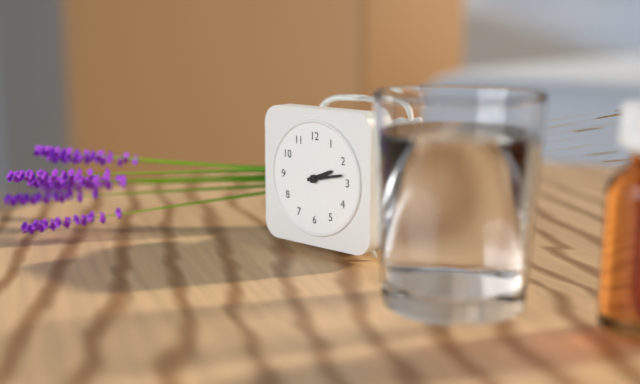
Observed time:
h=2 m=13
